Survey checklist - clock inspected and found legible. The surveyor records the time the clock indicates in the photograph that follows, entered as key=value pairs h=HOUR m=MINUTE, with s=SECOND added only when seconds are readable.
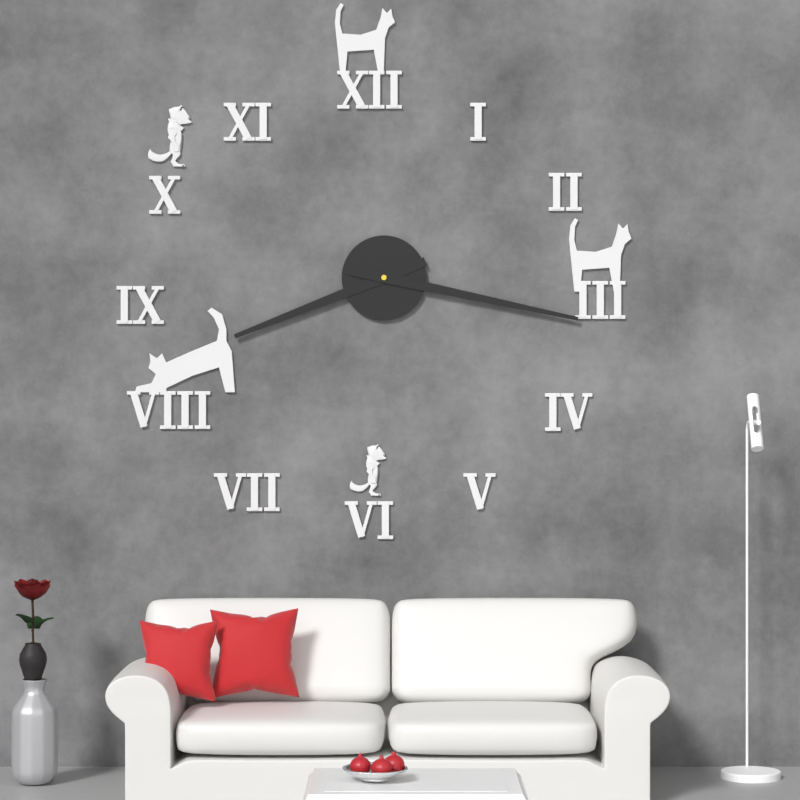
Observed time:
h=8 m=17
